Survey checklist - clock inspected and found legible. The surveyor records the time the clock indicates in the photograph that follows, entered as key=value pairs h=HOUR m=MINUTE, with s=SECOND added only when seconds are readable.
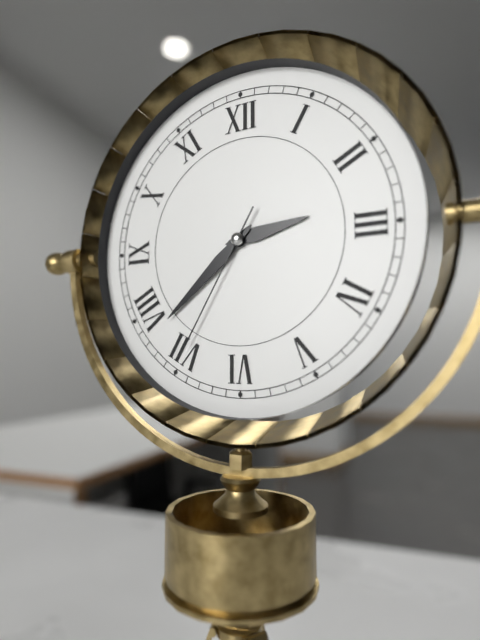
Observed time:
h=2 m=38 s=35
